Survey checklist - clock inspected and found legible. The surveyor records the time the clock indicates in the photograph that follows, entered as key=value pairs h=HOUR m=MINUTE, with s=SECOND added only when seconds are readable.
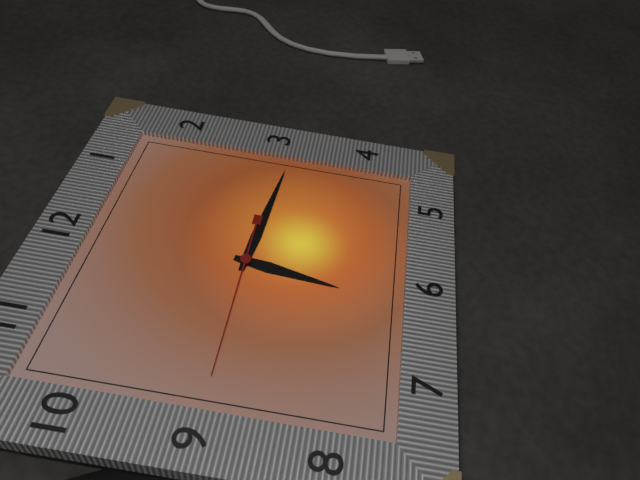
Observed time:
h=6 m=16 s=45
